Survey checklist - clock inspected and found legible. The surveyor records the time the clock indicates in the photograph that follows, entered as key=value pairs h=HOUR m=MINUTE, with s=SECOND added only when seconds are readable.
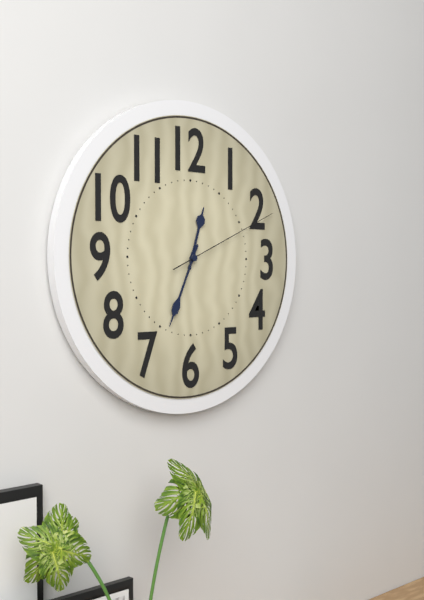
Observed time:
h=12 m=34 s=11
